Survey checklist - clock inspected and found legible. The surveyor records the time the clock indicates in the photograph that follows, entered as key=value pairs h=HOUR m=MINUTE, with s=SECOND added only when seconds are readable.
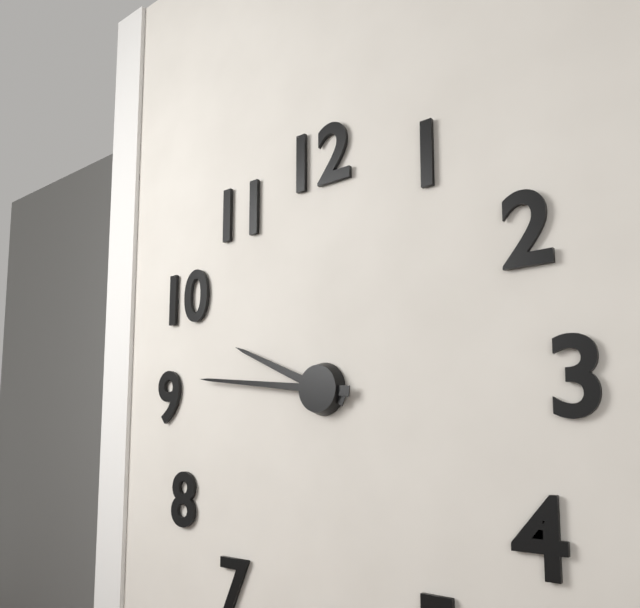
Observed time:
h=9 m=46
